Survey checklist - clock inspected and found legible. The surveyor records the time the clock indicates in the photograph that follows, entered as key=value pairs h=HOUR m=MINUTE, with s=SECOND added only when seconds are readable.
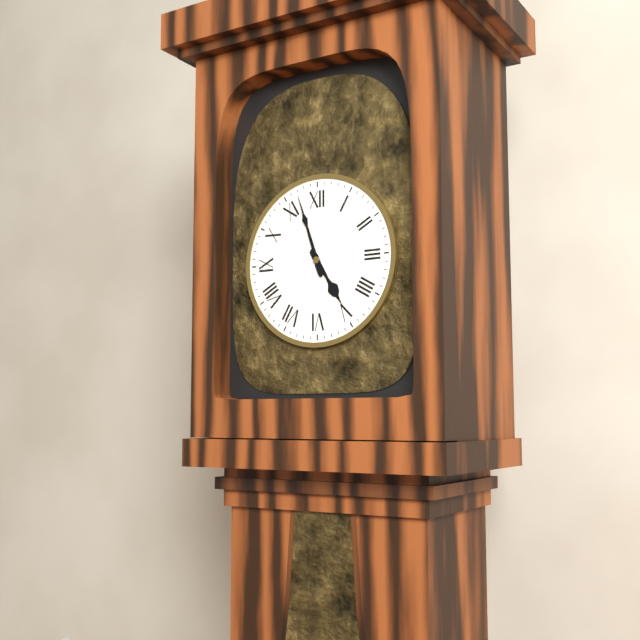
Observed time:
h=4 m=57
